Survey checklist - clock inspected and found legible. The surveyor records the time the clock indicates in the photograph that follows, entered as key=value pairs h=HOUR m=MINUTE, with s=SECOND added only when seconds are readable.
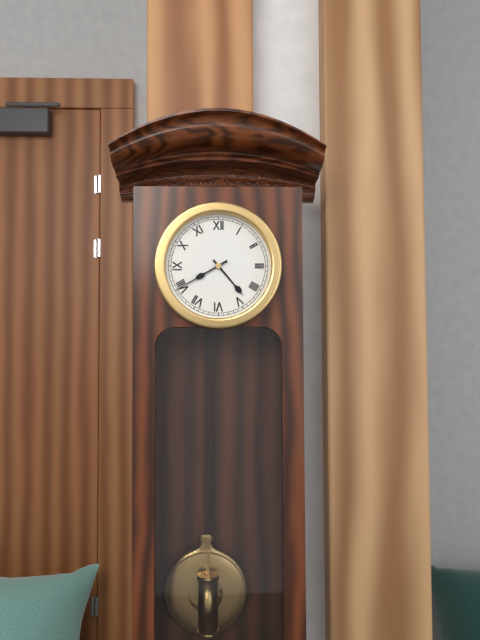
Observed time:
h=4 m=40
